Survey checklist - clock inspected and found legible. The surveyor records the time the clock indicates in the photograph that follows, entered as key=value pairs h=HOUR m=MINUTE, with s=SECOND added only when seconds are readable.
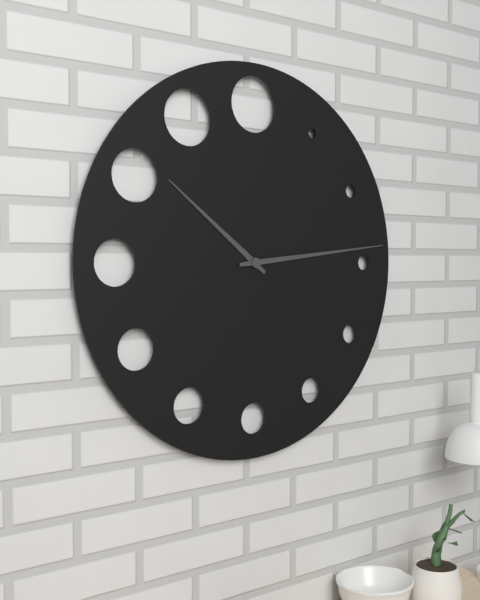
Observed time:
h=10 m=14
